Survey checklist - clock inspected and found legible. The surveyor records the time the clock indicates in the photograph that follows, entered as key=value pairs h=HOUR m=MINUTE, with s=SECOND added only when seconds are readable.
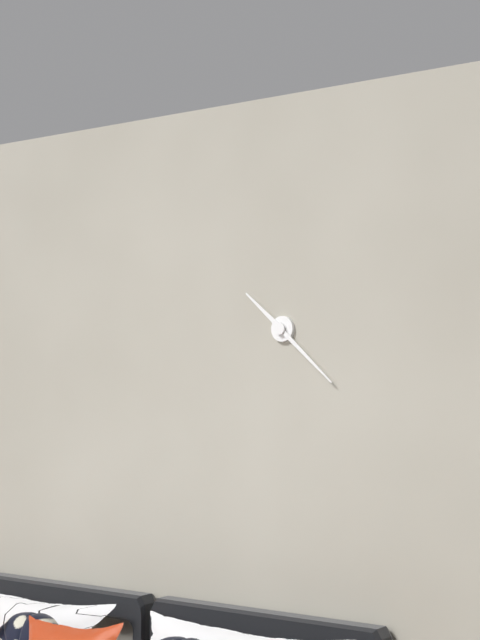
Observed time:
h=10 m=22
